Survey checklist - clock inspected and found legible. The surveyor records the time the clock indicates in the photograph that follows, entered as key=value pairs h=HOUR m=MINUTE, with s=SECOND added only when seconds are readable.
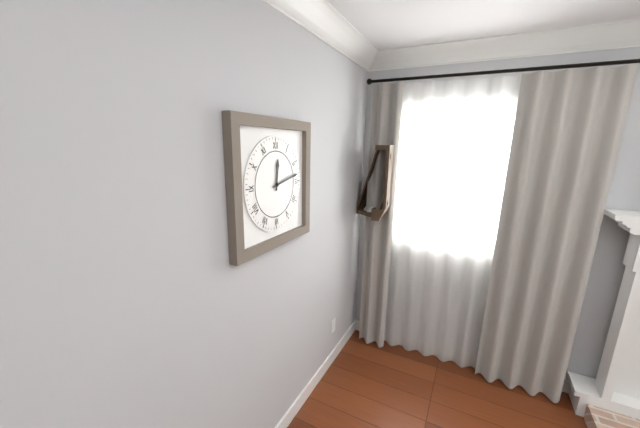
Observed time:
h=12 m=13
